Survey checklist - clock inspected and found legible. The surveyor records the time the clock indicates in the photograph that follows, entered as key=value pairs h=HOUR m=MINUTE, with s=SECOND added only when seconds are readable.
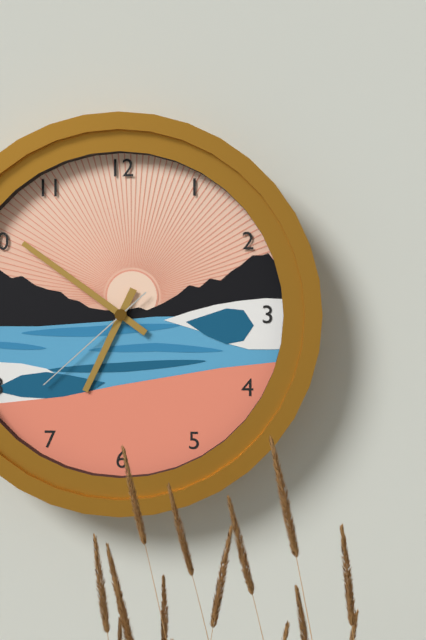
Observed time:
h=6 m=51 s=38
